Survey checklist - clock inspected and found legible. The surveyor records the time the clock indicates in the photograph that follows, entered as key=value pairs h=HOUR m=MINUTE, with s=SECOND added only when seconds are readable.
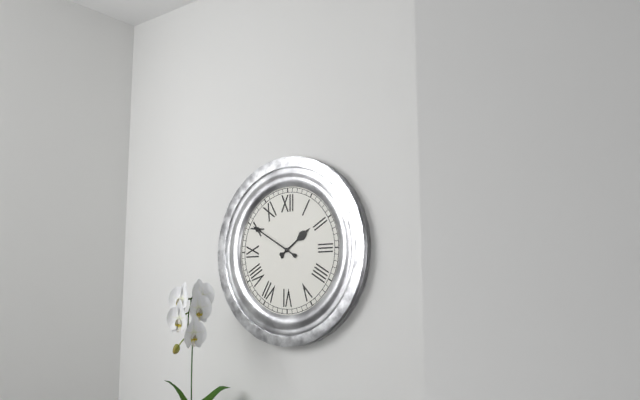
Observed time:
h=1 m=50
